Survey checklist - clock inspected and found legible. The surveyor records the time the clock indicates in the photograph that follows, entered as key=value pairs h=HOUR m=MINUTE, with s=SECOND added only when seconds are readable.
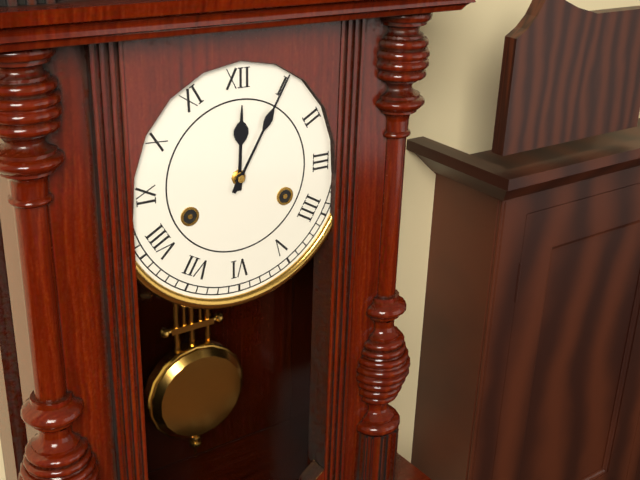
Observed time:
h=12 m=5
